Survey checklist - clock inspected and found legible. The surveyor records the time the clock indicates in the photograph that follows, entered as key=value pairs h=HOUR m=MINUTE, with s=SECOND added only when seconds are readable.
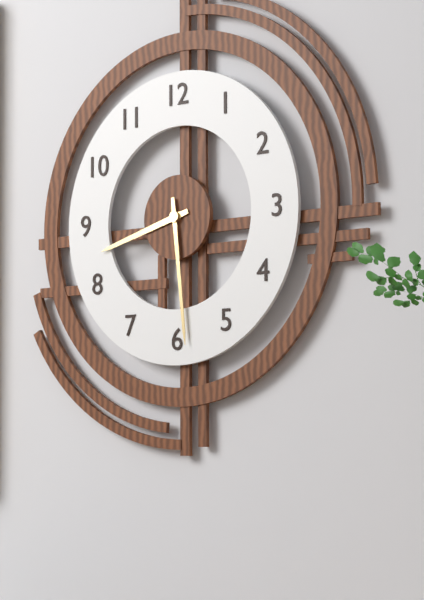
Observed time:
h=8 m=29
